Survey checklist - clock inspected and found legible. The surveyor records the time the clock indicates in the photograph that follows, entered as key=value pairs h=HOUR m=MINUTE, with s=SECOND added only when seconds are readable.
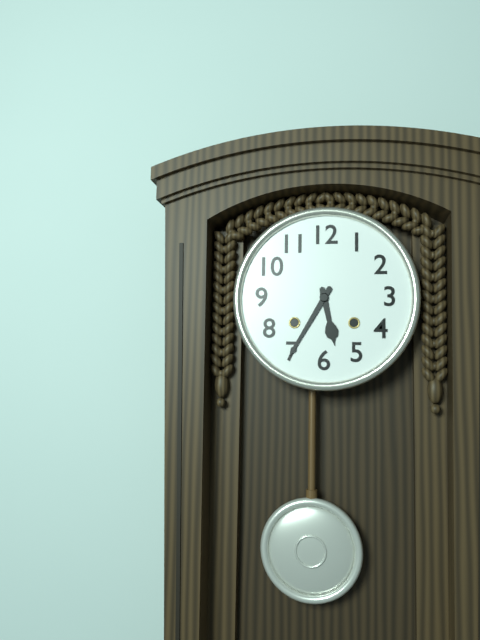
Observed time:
h=5 m=35
